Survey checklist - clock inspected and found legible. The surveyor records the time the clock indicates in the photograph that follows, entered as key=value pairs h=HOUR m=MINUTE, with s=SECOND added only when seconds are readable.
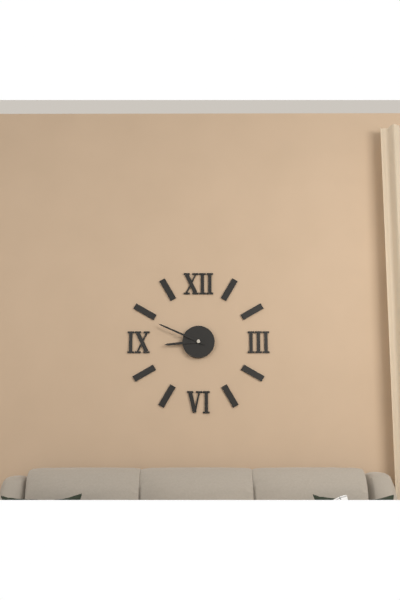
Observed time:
h=8 m=49
